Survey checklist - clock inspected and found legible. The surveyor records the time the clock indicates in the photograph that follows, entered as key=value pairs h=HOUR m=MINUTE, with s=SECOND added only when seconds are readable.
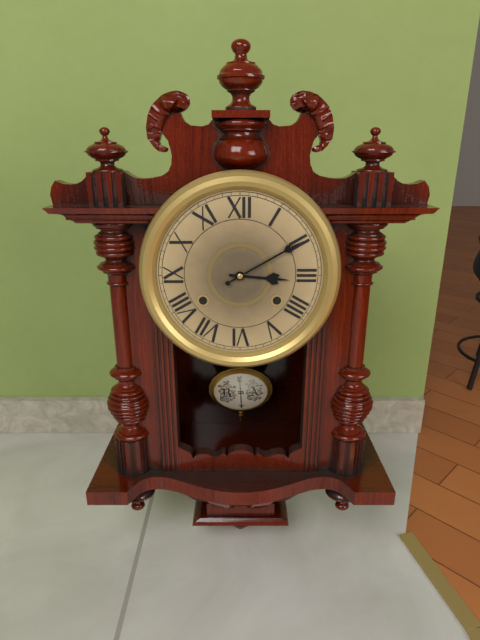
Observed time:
h=3 m=10
